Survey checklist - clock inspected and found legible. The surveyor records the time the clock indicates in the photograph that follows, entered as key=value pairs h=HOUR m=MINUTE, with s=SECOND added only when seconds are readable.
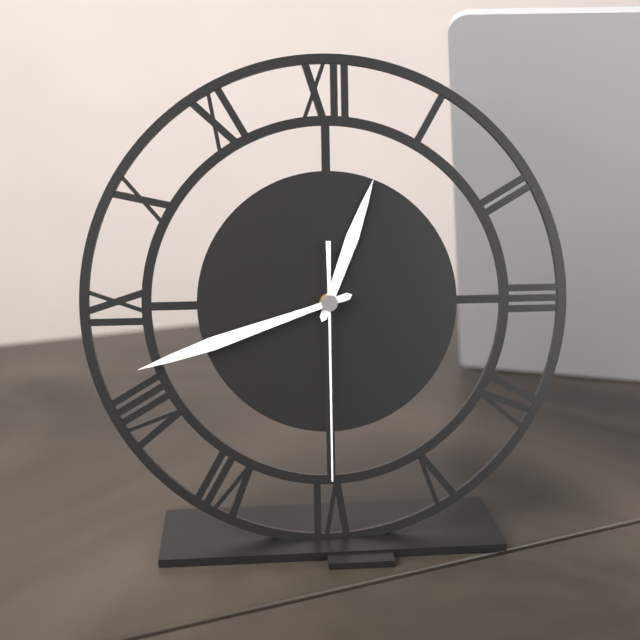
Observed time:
h=12 m=42 s=30
